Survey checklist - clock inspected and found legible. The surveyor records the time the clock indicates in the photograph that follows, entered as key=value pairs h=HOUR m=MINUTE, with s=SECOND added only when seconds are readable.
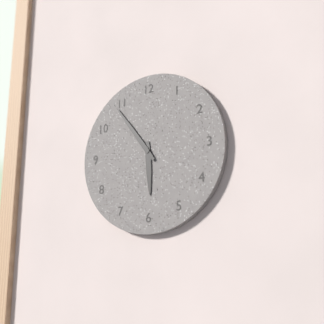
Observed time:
h=5 m=54
